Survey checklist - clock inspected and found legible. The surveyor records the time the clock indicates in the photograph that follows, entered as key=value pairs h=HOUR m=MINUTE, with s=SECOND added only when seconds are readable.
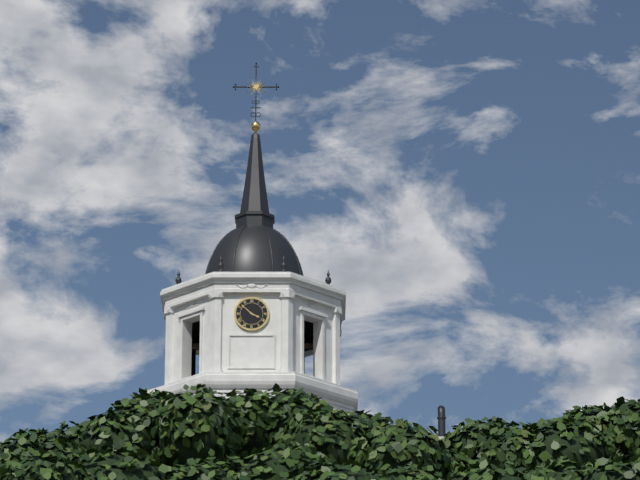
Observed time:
h=3 m=52
